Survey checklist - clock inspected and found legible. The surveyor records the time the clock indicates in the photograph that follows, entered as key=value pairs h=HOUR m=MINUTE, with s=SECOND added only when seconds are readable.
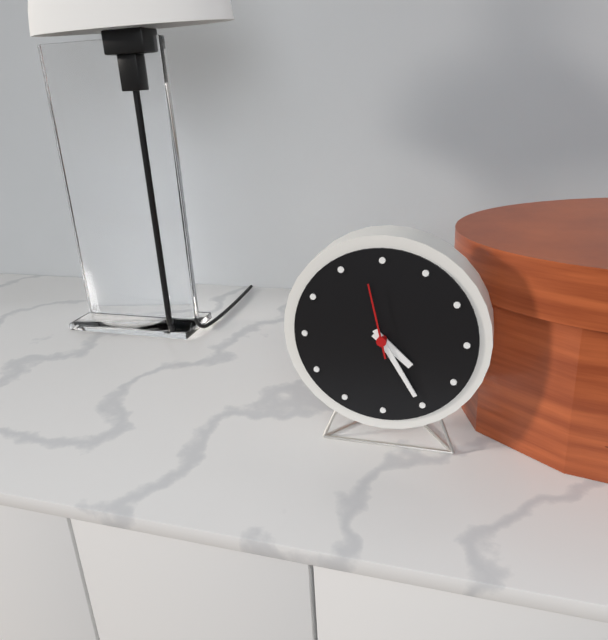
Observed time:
h=4 m=25 s=58
